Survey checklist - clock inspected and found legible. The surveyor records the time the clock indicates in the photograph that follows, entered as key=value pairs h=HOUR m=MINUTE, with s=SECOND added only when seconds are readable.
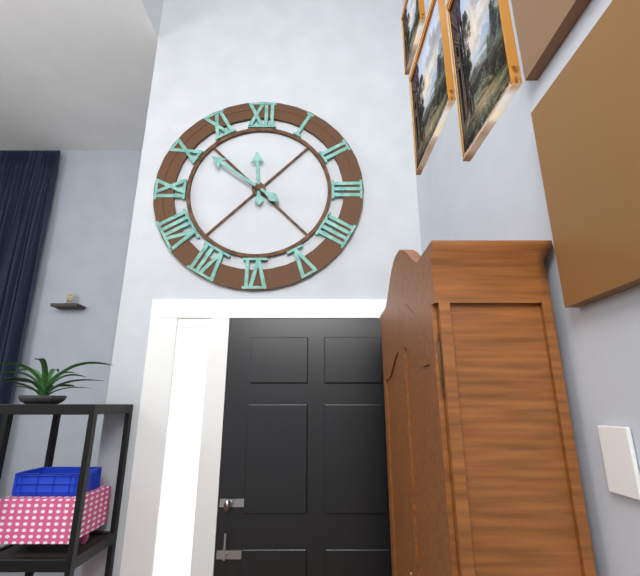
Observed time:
h=11 m=51
